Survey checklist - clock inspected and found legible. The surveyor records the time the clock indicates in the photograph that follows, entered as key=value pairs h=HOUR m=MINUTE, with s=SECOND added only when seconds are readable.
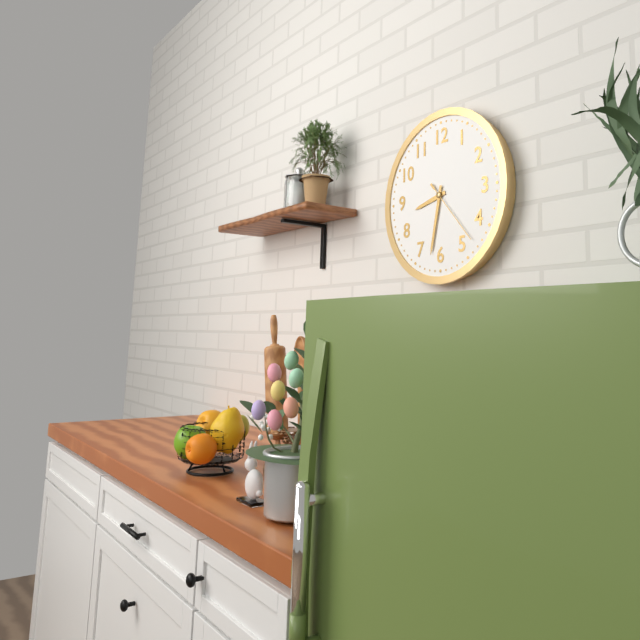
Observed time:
h=8 m=32 s=23
